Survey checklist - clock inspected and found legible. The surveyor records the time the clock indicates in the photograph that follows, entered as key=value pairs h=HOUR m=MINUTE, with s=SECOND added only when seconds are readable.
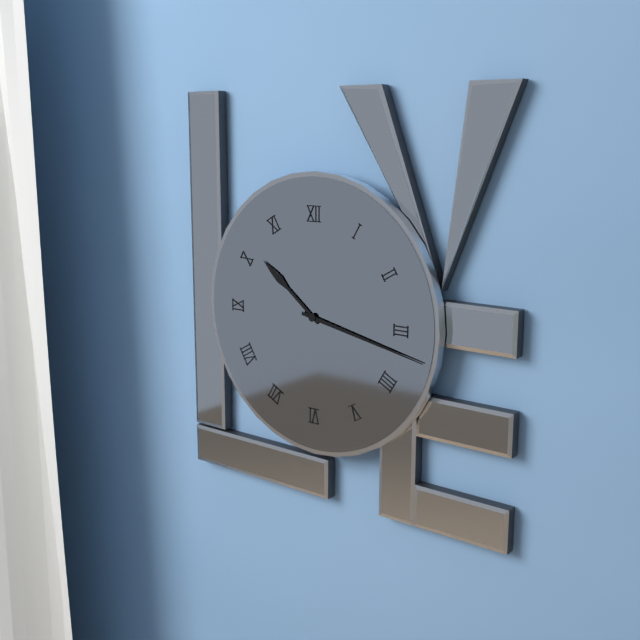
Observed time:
h=10 m=17
